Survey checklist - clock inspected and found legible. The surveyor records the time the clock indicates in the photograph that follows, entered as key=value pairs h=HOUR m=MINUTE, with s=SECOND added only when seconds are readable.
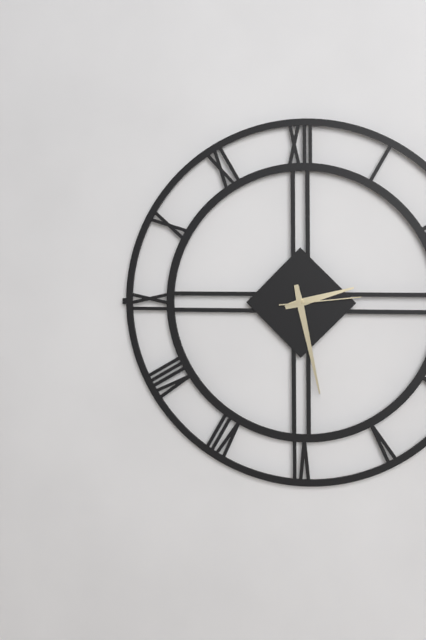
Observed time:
h=2 m=28 s=14
